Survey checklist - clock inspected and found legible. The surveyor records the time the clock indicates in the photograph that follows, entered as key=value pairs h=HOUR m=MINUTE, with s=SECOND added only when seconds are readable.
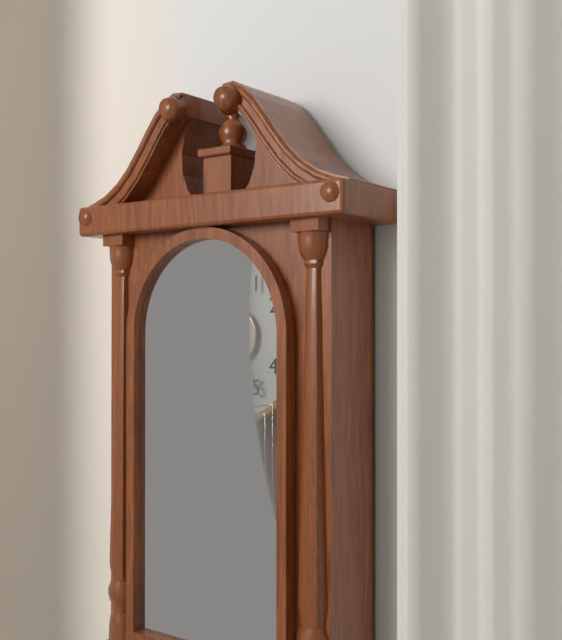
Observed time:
h=11 m=26
